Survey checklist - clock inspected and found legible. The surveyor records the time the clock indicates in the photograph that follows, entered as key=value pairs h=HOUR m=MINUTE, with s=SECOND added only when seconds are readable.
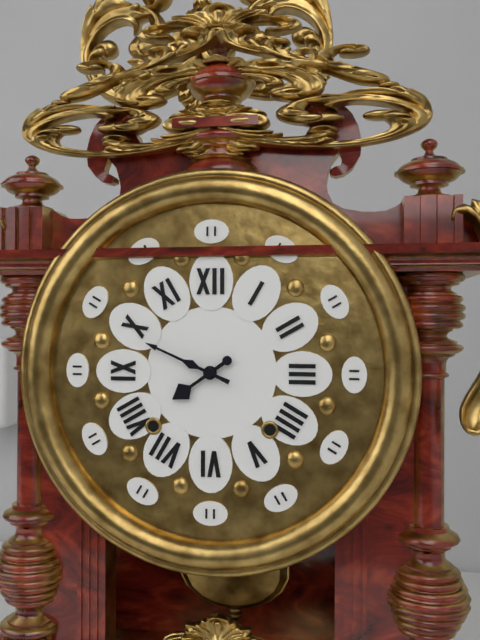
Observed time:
h=7 m=49
